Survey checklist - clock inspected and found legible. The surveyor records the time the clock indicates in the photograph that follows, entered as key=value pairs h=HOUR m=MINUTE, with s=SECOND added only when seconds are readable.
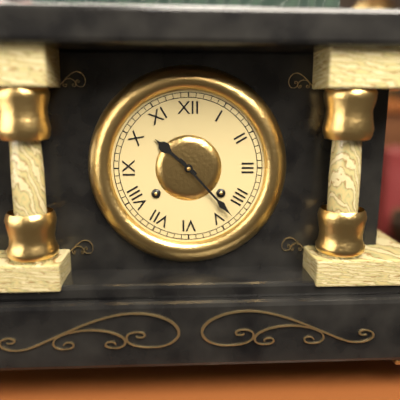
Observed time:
h=10 m=23
